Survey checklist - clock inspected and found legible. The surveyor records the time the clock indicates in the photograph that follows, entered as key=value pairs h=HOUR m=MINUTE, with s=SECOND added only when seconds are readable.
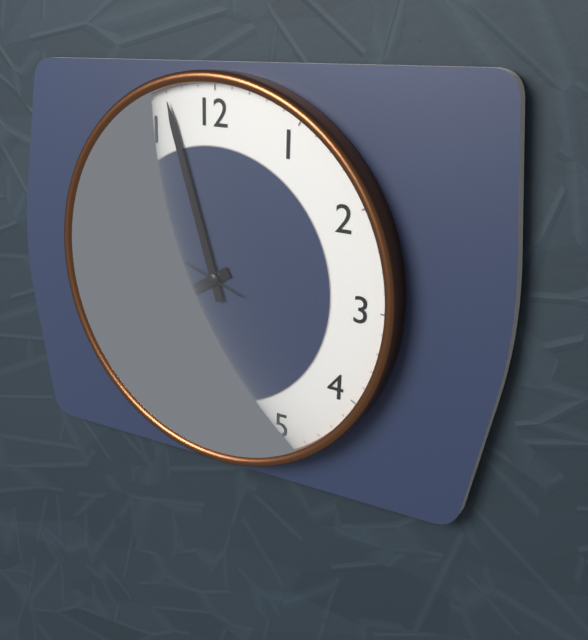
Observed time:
h=7 m=57 s=48
